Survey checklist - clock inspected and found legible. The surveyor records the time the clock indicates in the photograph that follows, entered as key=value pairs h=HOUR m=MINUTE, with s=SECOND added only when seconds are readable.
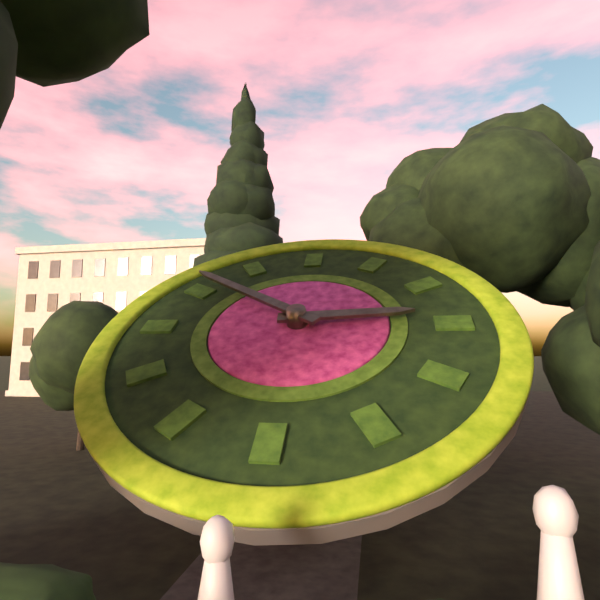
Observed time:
h=2 m=51
